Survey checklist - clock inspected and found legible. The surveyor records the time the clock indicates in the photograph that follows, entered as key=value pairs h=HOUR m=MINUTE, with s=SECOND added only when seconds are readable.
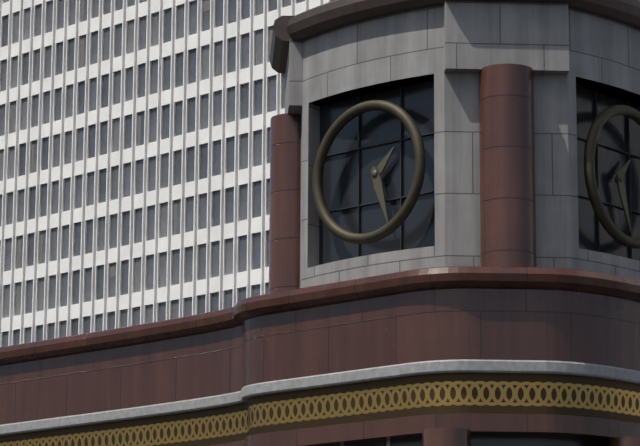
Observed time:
h=1 m=27
